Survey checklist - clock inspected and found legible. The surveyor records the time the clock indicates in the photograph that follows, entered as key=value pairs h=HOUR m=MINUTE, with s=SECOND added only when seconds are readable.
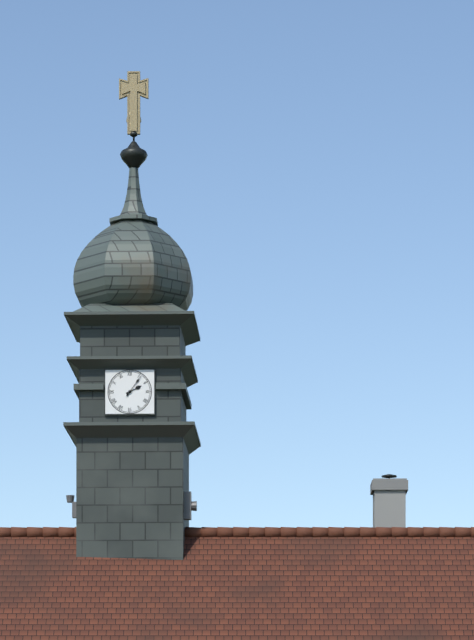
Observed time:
h=2 m=6
